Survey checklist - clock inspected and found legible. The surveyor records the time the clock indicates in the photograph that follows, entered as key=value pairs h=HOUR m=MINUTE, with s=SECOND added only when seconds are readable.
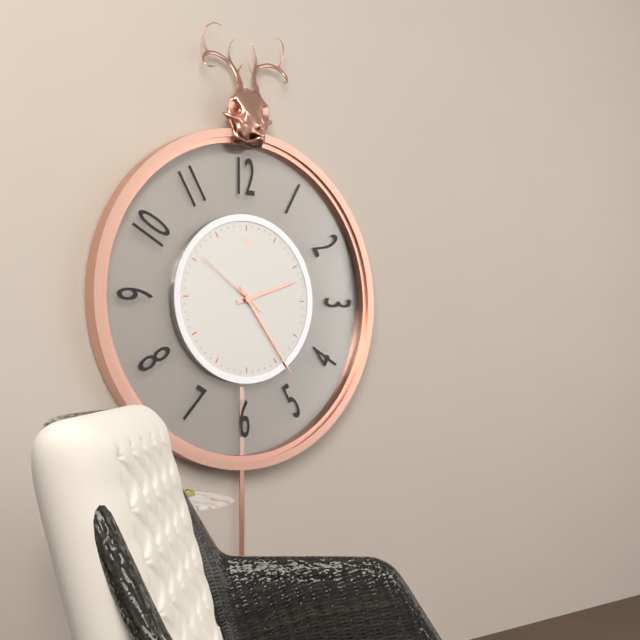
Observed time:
h=2 m=24 s=51
